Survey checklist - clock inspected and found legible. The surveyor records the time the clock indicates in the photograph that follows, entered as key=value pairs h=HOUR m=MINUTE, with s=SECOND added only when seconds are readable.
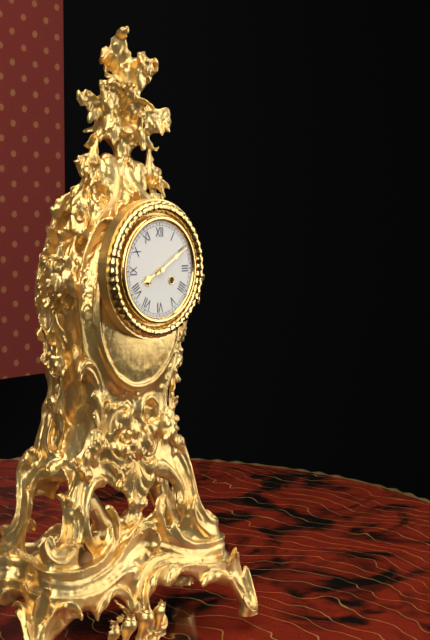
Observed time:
h=8 m=10
